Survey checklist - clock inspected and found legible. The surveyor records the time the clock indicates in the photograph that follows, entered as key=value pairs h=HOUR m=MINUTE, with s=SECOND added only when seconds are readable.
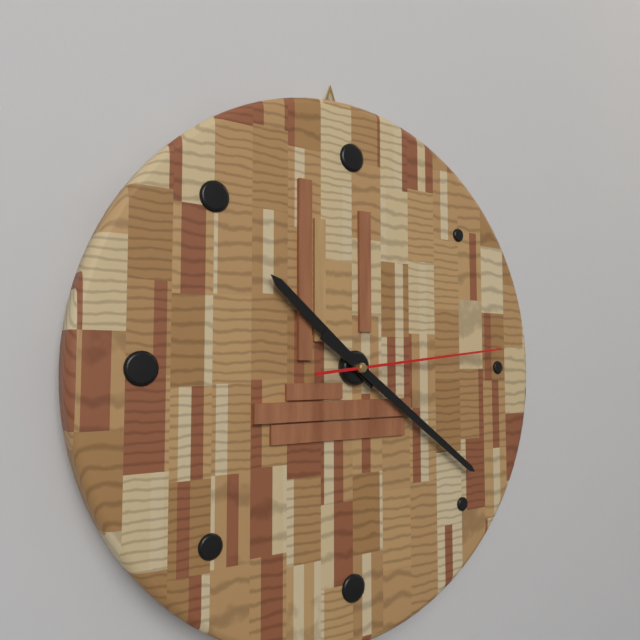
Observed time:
h=10 m=21 s=14
